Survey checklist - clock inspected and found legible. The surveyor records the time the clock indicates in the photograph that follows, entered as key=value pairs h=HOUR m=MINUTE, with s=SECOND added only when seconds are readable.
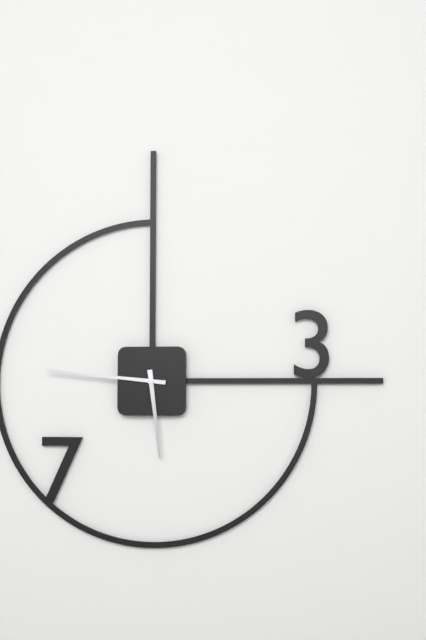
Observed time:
h=5 m=46
